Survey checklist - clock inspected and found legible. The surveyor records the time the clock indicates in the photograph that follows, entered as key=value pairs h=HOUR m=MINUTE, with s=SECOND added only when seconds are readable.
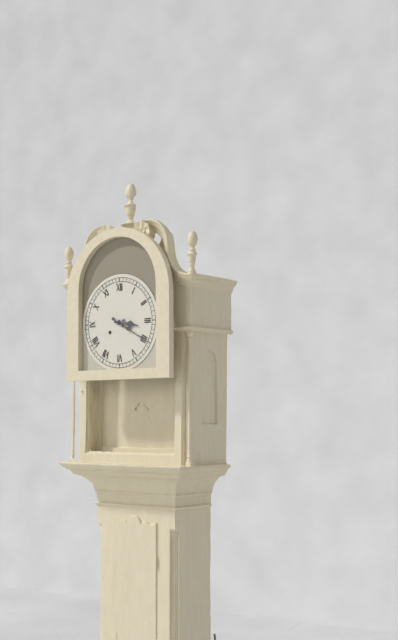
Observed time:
h=3 m=20
